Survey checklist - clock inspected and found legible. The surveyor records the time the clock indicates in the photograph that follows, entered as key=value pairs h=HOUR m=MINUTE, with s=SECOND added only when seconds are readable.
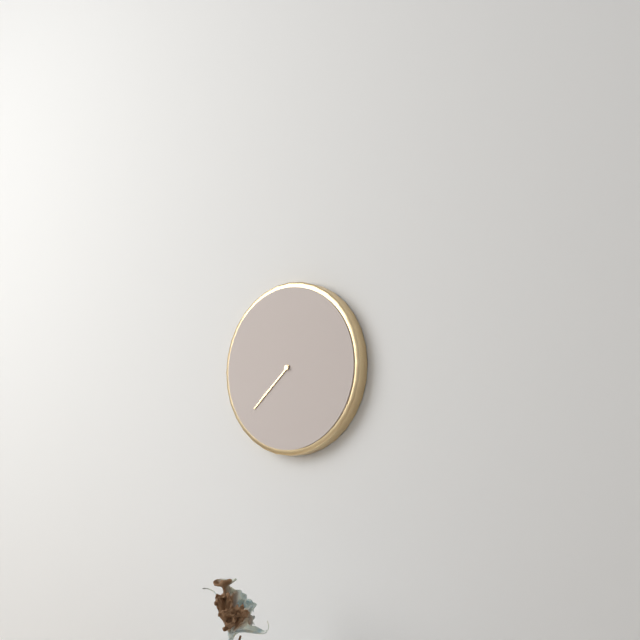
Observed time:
h=7 m=38
